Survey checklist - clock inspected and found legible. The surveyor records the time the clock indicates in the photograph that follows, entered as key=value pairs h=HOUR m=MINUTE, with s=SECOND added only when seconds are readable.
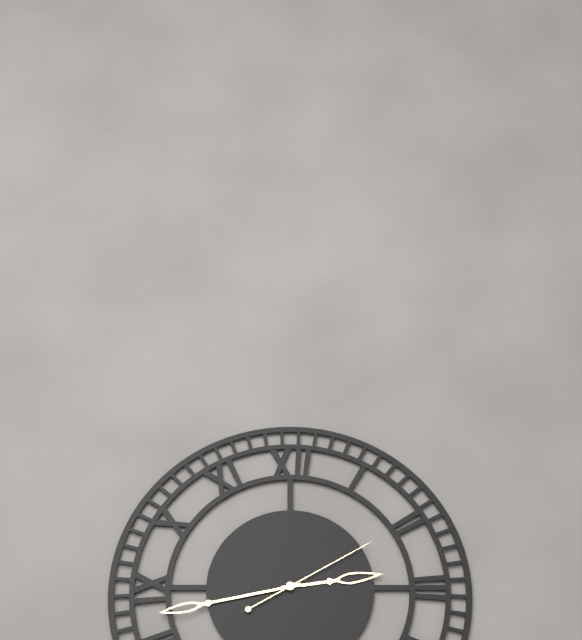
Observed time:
h=2 m=43 s=10
